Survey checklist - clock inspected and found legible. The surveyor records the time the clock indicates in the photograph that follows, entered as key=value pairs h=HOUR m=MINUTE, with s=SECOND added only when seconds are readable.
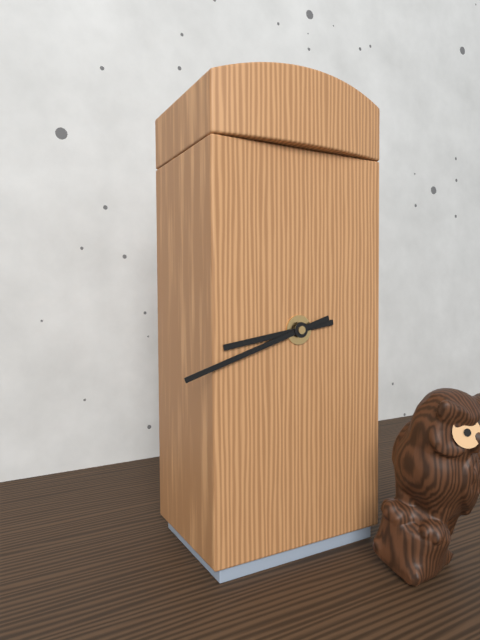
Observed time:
h=8 m=42
